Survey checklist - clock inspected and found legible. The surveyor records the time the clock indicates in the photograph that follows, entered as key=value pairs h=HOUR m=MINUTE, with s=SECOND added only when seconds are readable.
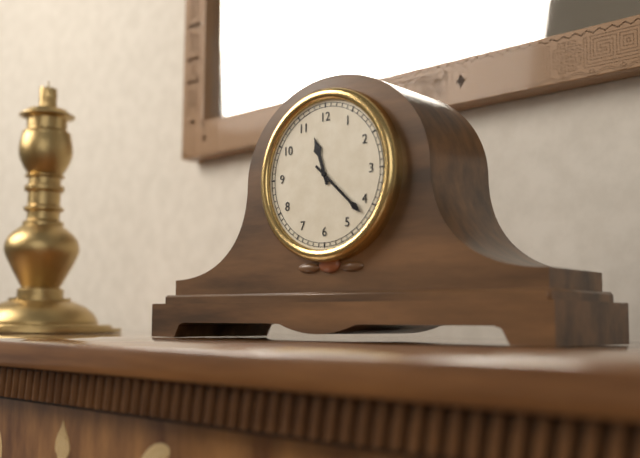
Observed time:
h=11 m=22
